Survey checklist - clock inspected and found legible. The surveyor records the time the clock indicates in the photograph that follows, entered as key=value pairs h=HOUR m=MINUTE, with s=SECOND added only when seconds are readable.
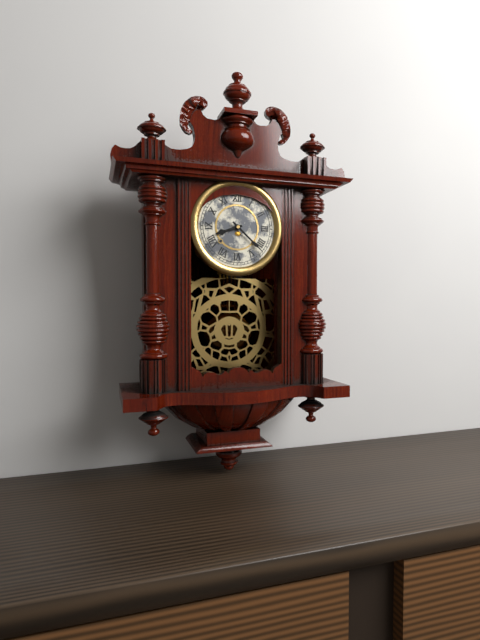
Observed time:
h=8 m=22
